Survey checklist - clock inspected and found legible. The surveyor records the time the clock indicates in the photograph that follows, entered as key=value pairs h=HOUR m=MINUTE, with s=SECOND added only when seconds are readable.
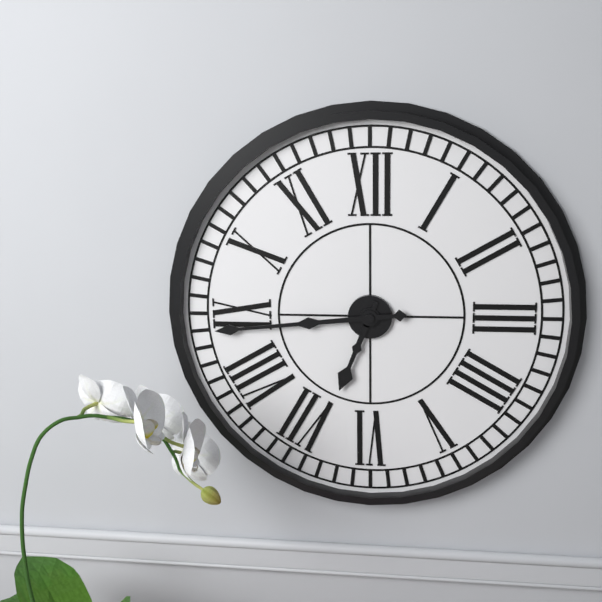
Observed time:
h=6 m=44
